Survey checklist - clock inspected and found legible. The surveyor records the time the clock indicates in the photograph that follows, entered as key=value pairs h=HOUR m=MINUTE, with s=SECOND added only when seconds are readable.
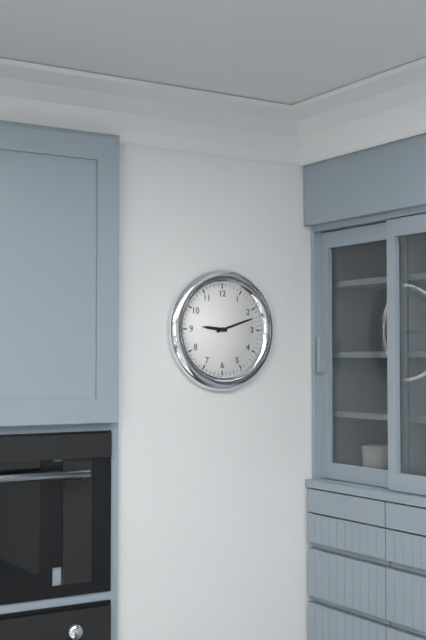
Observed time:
h=9 m=12
